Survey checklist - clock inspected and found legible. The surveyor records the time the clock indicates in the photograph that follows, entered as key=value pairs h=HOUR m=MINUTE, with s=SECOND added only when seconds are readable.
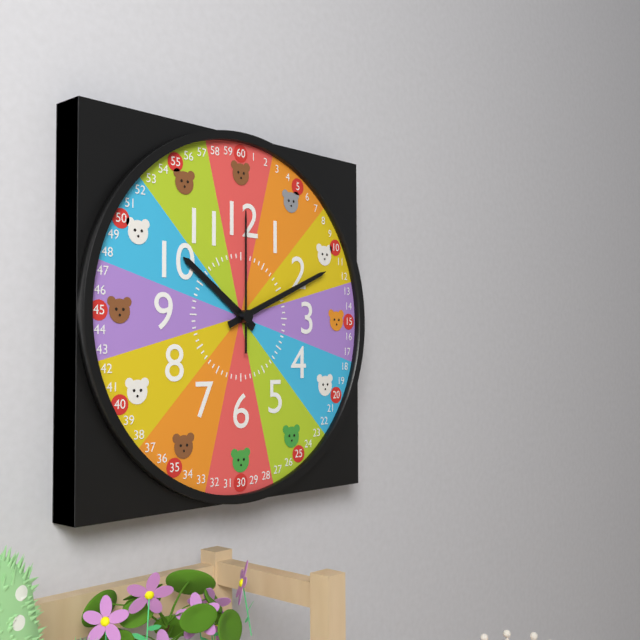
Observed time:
h=10 m=11 s=0
